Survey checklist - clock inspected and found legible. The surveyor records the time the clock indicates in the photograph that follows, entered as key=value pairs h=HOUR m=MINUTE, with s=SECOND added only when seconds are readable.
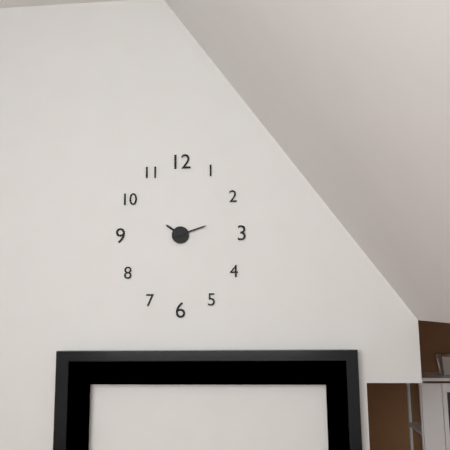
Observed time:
h=10 m=12
